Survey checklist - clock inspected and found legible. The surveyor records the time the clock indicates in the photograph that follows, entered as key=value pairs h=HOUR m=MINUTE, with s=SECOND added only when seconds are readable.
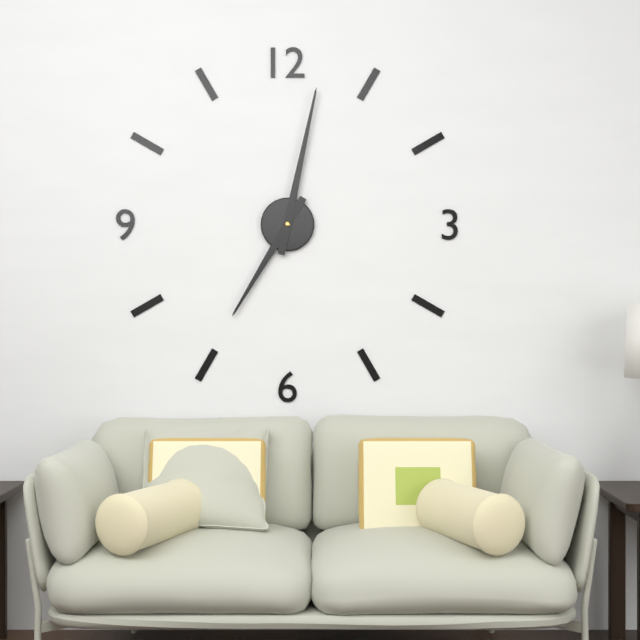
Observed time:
h=7 m=2
